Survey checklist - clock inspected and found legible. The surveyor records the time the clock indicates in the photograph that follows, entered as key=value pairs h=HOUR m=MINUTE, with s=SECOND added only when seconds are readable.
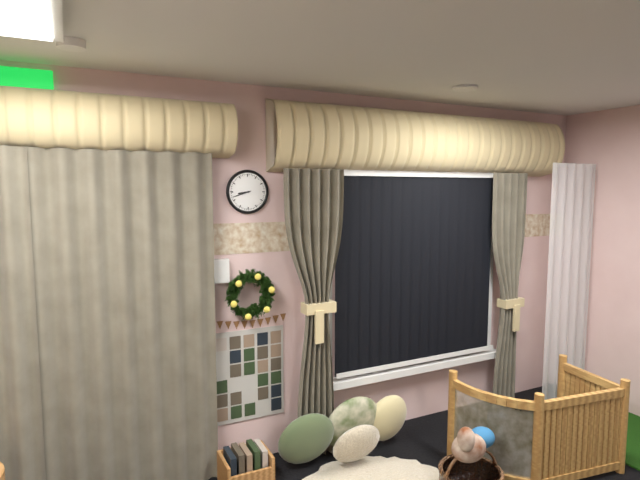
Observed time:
h=8 m=42
